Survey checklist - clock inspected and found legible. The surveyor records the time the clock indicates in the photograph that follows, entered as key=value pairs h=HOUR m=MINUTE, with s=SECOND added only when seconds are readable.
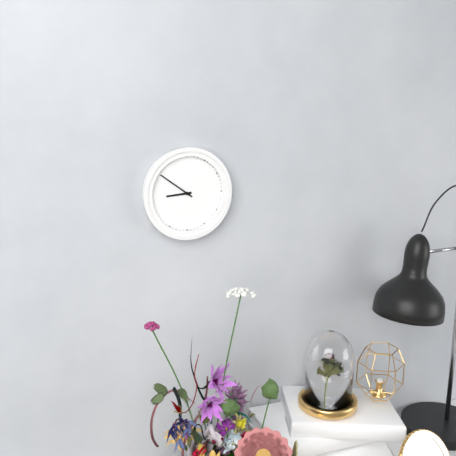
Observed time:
h=8 m=51
